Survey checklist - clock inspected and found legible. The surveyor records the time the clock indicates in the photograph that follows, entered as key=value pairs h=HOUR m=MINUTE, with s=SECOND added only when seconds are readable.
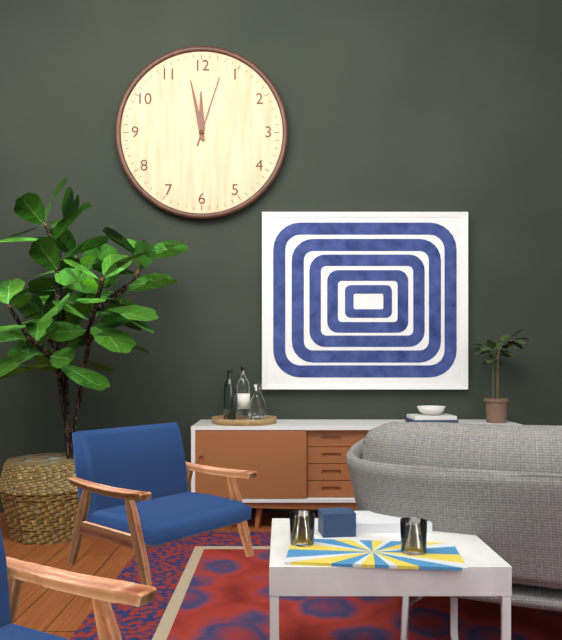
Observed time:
h=11 m=58 s=3
